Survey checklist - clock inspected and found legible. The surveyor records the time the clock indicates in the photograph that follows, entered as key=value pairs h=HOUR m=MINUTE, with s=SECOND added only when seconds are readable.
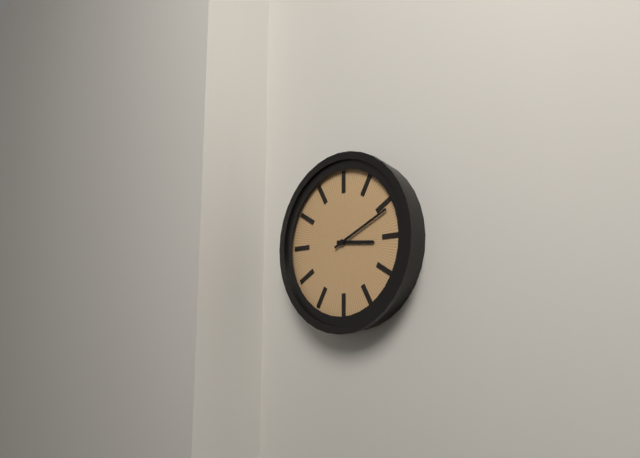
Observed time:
h=3 m=11
